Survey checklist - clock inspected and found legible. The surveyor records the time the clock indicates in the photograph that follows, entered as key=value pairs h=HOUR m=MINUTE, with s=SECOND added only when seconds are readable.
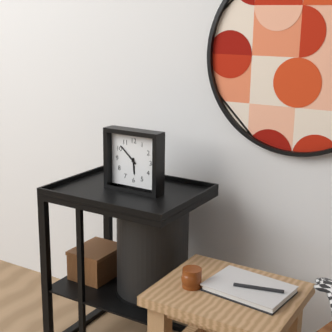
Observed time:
h=5 m=52
